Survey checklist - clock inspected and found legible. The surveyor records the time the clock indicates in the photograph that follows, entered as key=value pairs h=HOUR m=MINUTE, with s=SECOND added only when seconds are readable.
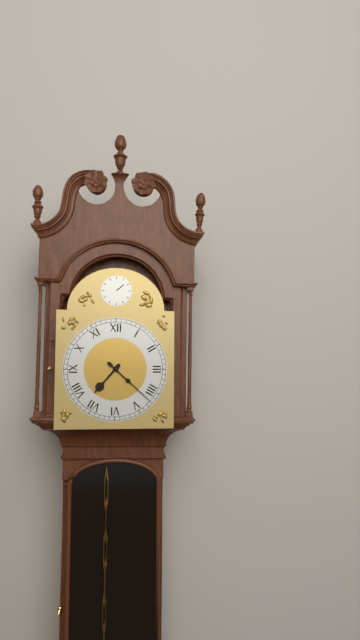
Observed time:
h=7 m=22
